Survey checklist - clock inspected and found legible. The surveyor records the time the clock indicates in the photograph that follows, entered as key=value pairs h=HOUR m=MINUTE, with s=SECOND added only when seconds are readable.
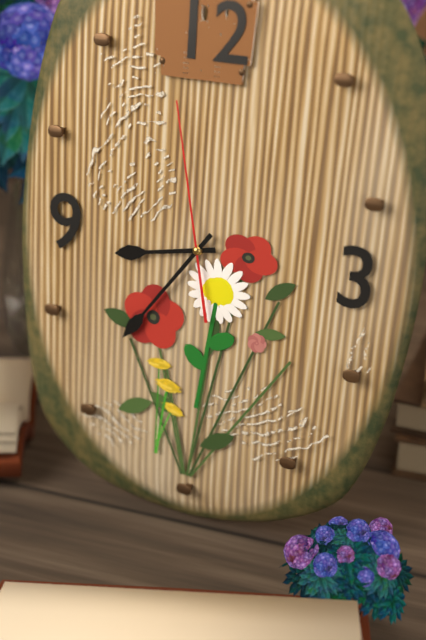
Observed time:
h=8 m=36 s=58
